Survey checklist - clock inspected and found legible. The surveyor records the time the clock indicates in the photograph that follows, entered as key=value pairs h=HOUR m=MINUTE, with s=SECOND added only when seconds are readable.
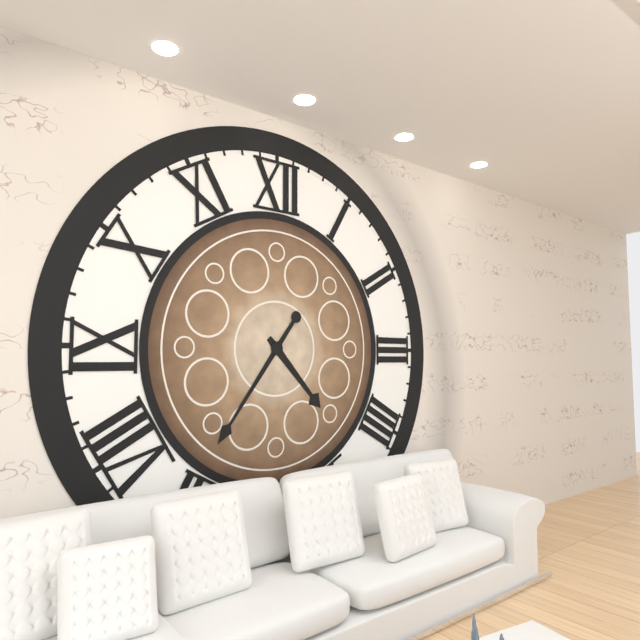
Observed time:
h=4 m=36
